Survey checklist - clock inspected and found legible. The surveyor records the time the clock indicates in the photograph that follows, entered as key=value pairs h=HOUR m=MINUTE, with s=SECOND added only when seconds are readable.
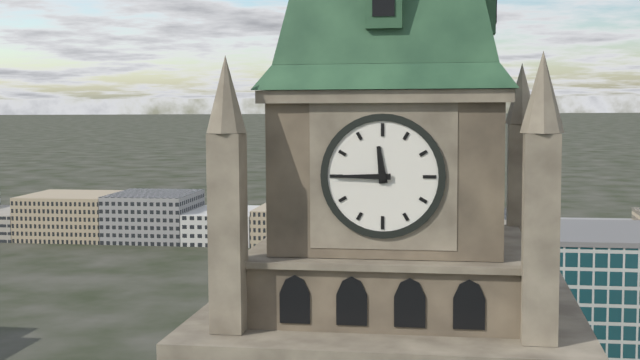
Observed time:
h=11 m=45
